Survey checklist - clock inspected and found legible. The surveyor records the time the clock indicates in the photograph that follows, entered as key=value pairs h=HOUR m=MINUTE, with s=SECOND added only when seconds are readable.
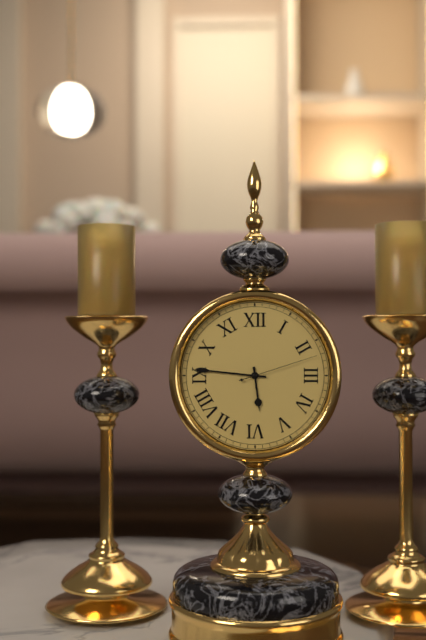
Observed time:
h=5 m=46 s=12
